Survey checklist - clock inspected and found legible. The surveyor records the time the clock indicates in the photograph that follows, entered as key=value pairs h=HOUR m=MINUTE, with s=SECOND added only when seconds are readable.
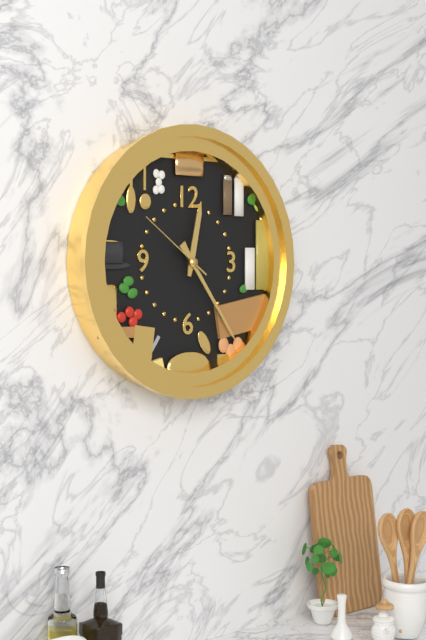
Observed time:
h=12 m=24 s=51
